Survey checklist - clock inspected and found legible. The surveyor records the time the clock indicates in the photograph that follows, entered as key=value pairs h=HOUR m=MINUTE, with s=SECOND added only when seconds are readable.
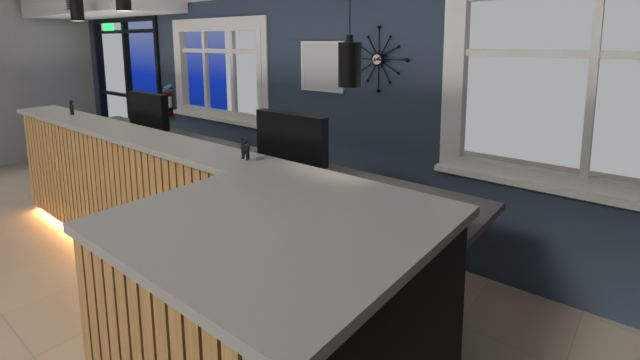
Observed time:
h=3 m=10
